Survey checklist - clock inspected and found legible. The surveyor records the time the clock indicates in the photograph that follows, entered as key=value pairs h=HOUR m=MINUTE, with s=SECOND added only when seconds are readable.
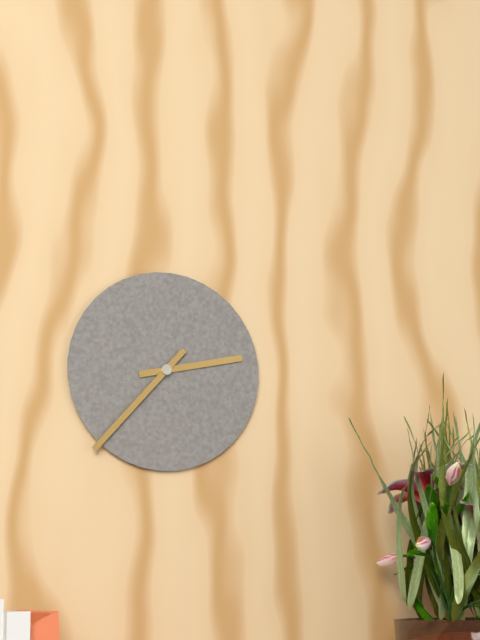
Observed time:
h=2 m=37
